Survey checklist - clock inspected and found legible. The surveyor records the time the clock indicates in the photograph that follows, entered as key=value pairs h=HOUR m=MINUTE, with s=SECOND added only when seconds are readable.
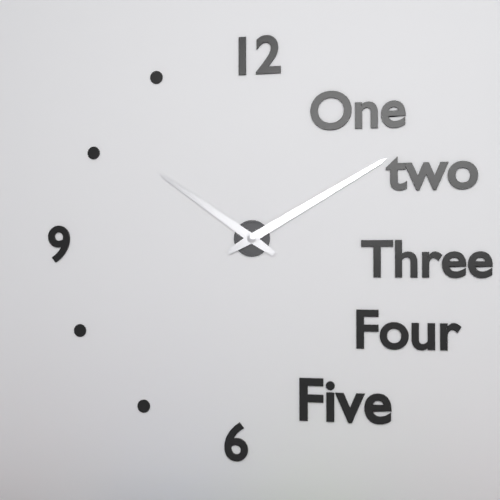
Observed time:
h=10 m=10
